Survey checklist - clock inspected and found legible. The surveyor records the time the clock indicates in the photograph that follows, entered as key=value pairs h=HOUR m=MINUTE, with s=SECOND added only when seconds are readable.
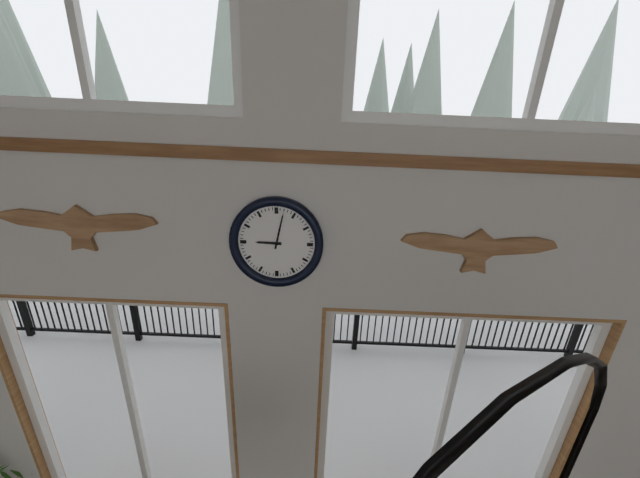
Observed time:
h=9 m=2
